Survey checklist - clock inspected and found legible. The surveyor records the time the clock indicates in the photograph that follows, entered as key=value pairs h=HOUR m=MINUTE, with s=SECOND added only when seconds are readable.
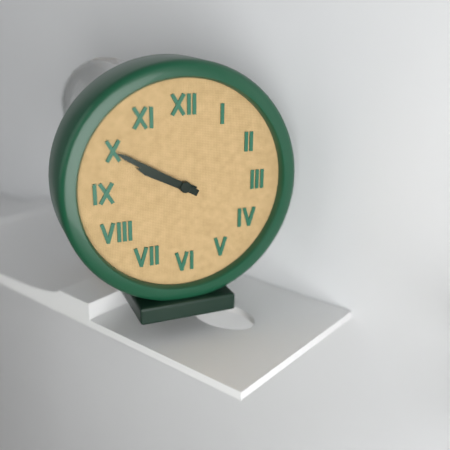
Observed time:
h=9 m=50
